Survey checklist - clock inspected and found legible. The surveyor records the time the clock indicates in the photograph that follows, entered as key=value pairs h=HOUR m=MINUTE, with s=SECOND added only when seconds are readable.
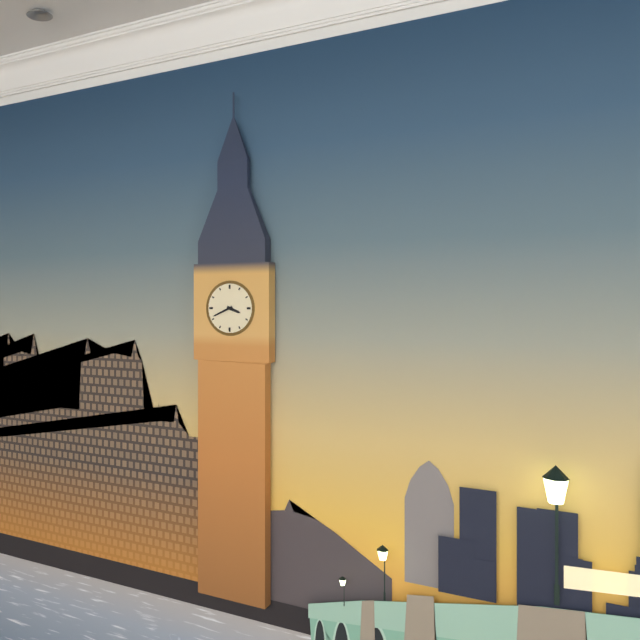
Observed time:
h=3 m=41
